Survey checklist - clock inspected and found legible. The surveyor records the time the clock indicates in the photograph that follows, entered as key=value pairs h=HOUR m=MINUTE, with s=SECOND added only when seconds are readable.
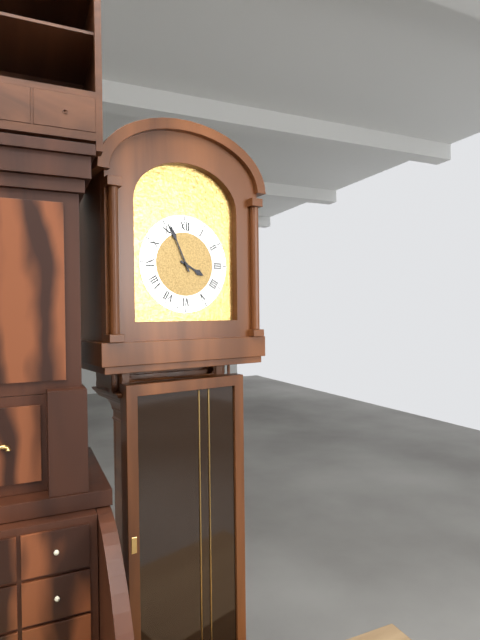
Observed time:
h=3 m=56
